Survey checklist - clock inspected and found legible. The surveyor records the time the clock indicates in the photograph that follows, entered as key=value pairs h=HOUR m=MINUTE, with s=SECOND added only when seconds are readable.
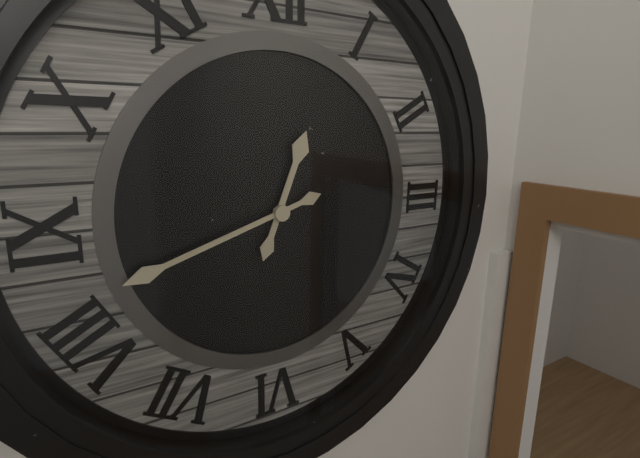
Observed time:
h=12 m=42
